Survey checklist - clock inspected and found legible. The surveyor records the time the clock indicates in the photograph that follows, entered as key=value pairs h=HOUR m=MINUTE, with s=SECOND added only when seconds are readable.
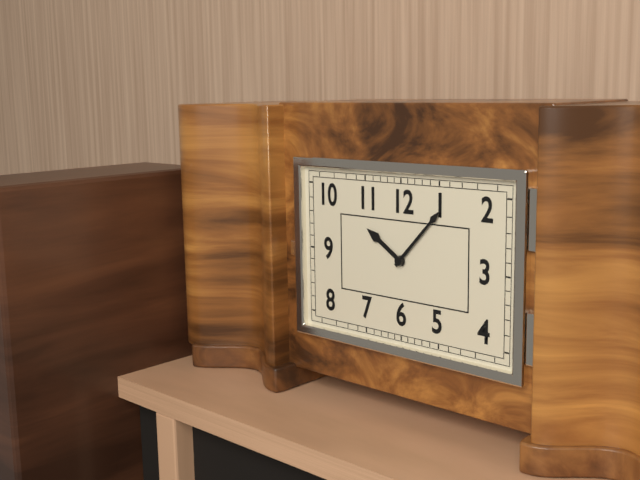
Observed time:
h=10 m=7
